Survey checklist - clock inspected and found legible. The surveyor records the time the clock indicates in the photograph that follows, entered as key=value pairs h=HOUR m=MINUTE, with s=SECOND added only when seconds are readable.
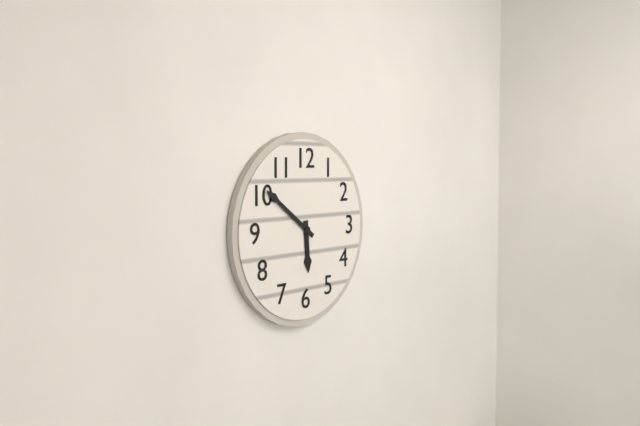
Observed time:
h=5 m=51
